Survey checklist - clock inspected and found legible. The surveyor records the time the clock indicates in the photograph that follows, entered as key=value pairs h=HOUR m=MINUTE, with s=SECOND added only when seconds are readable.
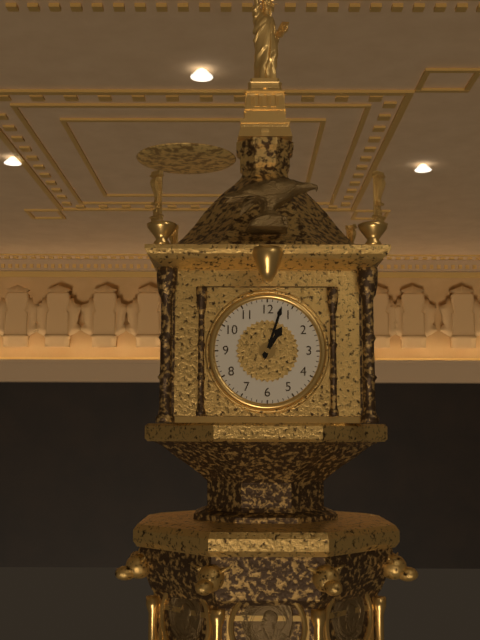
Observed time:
h=1 m=3
